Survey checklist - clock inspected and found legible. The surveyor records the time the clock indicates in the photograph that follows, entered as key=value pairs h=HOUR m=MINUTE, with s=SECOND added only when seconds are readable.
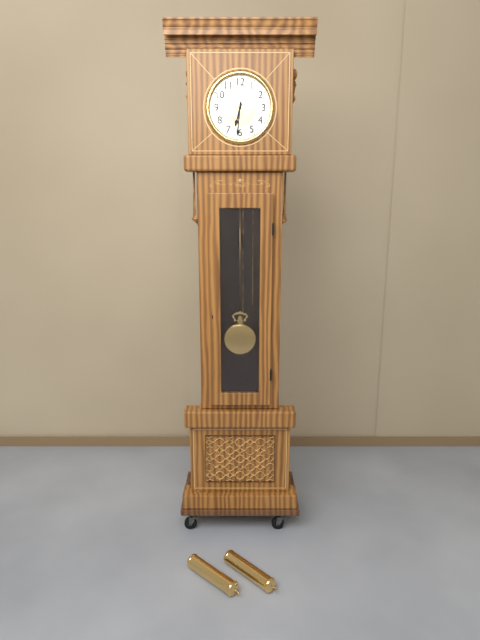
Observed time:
h=6 m=31
